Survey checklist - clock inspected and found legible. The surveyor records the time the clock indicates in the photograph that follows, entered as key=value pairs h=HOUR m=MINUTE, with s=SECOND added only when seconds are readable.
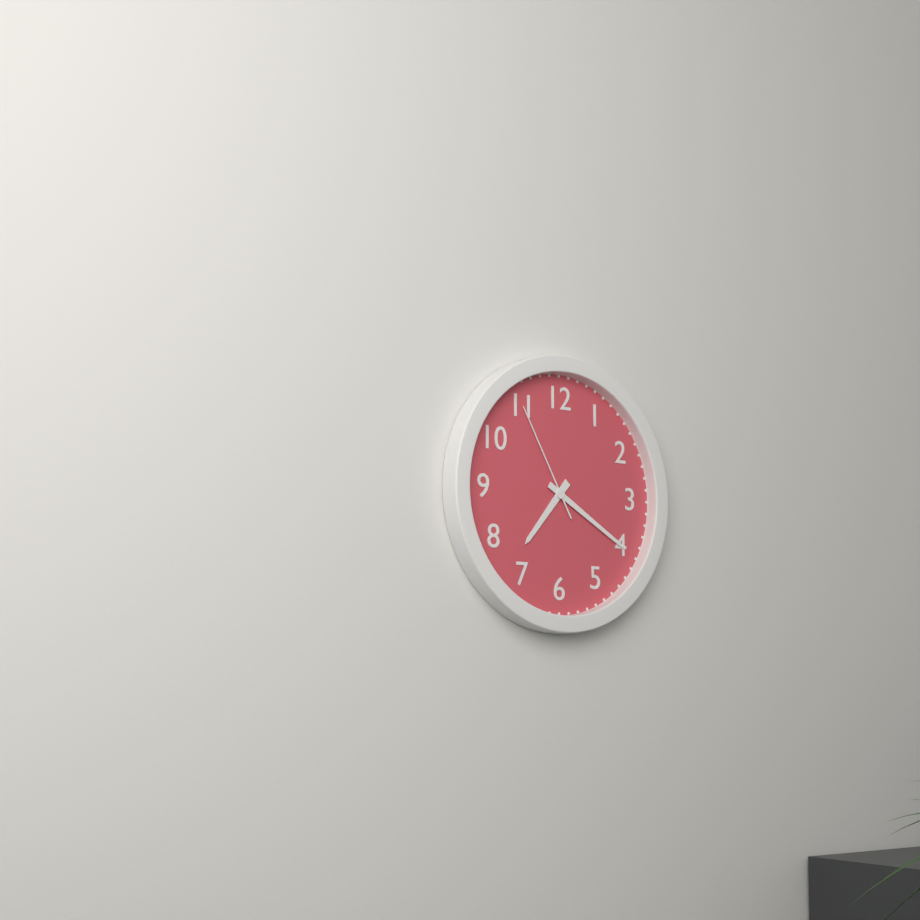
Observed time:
h=7 m=20 s=55
